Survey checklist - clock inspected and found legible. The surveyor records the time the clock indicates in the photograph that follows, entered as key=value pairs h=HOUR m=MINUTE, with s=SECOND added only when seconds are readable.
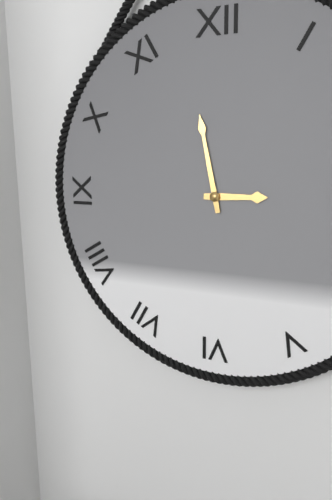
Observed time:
h=2 m=58
